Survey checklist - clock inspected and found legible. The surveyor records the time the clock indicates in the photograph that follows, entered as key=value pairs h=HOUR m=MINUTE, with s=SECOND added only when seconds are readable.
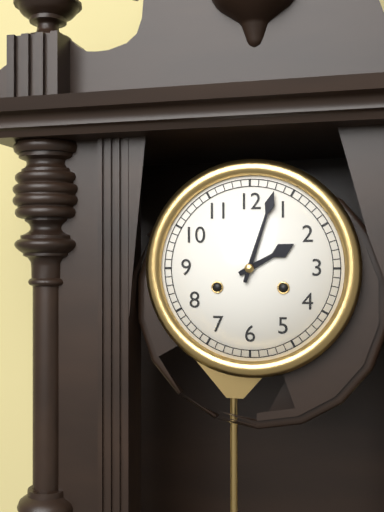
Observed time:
h=2 m=3
